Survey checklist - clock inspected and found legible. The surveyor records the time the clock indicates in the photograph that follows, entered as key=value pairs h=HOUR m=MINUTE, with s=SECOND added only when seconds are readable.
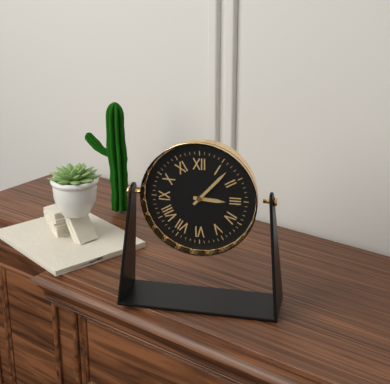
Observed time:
h=3 m=7
